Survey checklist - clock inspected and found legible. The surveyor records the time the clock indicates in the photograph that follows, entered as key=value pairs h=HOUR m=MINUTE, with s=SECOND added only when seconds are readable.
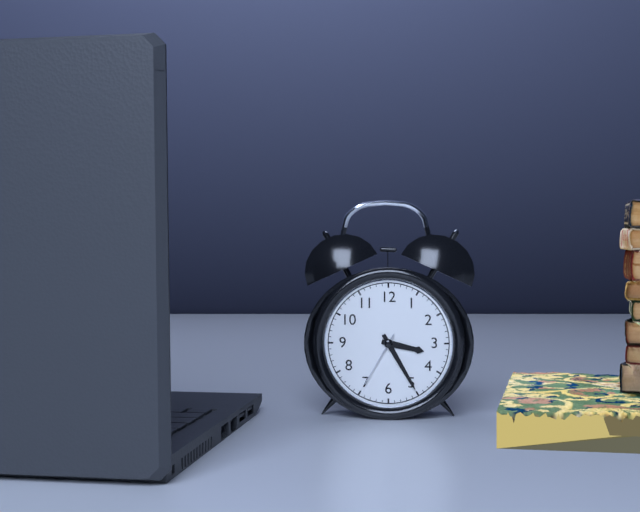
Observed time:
h=3 m=25 s=35
